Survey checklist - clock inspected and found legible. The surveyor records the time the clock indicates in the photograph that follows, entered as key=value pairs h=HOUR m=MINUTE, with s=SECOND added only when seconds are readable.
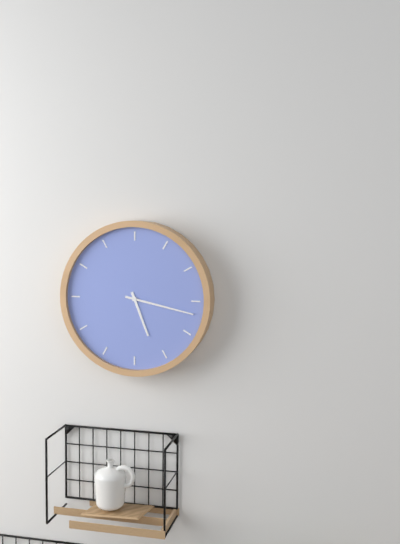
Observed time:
h=5 m=17
